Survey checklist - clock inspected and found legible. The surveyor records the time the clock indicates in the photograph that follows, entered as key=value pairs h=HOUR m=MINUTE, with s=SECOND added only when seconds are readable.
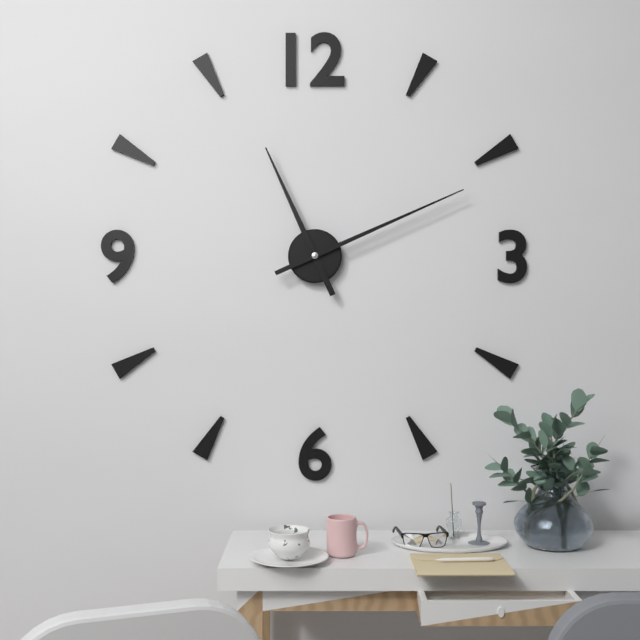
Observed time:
h=11 m=11
